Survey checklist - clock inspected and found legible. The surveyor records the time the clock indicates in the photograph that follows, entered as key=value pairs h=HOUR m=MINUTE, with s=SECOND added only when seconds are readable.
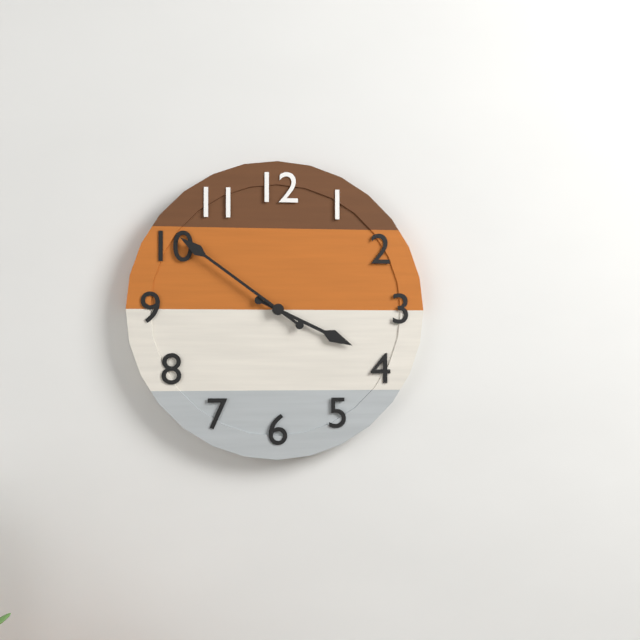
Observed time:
h=3 m=51
